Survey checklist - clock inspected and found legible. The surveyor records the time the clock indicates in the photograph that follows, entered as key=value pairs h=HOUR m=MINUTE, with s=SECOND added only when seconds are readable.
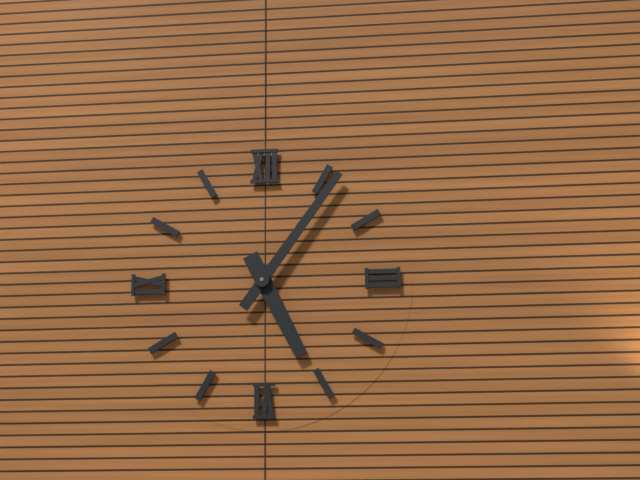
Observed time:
h=5 m=6
